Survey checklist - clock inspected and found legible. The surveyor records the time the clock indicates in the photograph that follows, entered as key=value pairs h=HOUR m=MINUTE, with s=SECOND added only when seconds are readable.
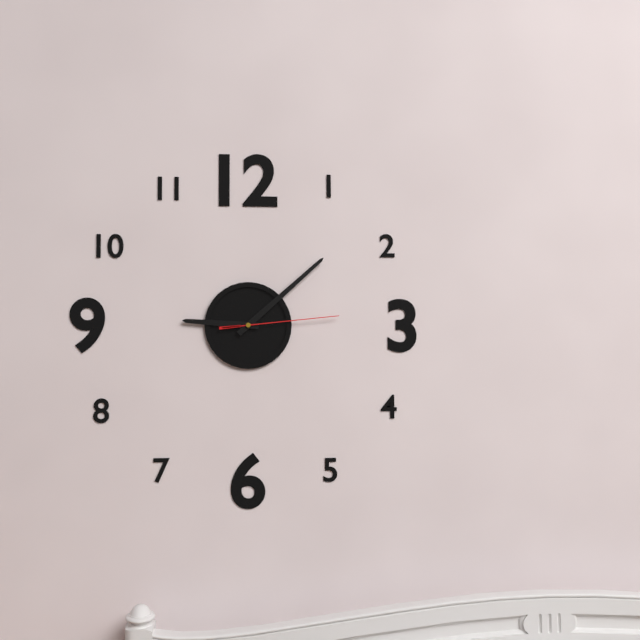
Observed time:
h=9 m=8 s=14
